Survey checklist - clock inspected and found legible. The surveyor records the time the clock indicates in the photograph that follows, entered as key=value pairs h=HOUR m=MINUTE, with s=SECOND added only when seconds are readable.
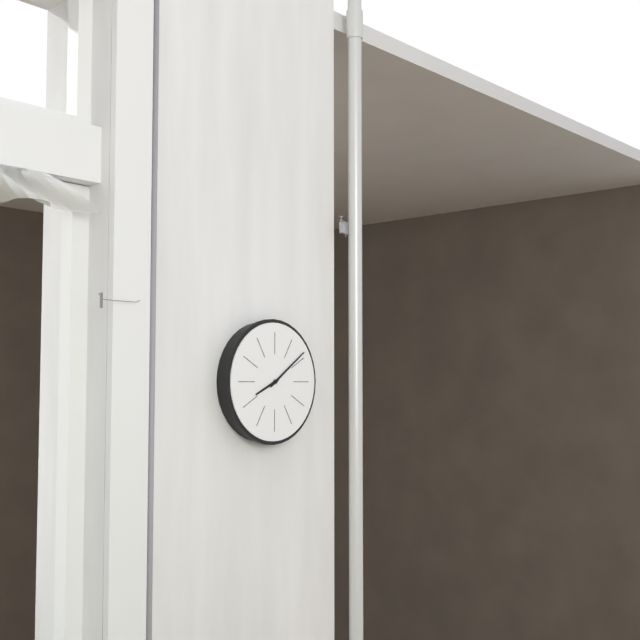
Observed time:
h=8 m=9
